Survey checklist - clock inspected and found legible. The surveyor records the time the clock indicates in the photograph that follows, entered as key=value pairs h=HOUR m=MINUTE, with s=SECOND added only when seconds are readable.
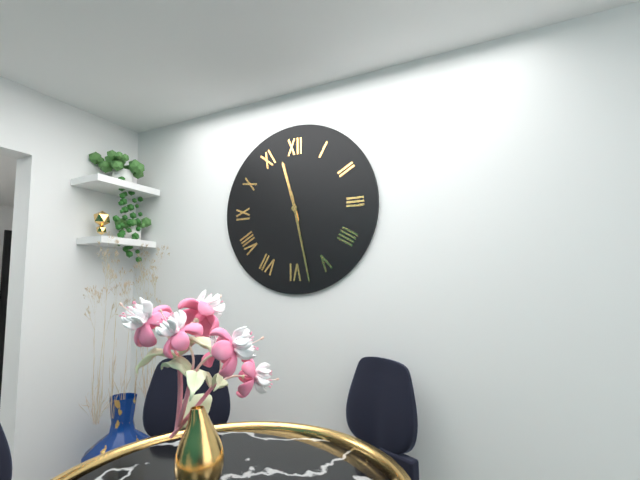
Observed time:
h=11 m=28
